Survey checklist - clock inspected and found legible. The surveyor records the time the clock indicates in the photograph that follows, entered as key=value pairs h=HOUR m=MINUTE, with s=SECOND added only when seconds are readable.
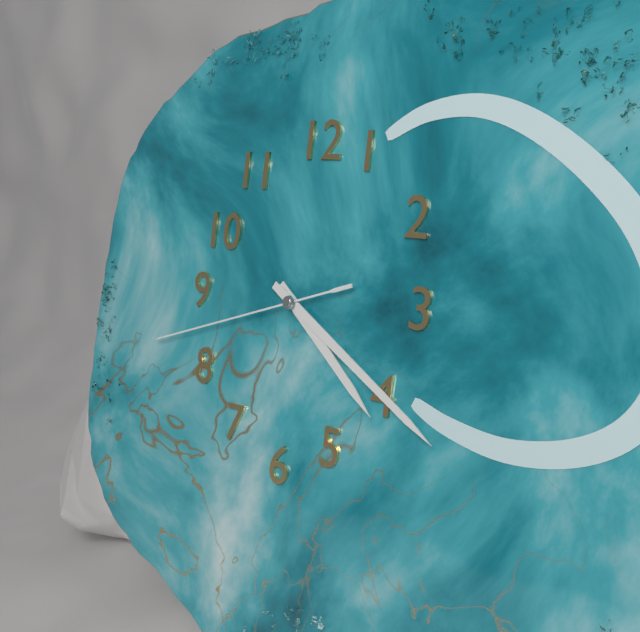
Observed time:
h=4 m=20 s=42
